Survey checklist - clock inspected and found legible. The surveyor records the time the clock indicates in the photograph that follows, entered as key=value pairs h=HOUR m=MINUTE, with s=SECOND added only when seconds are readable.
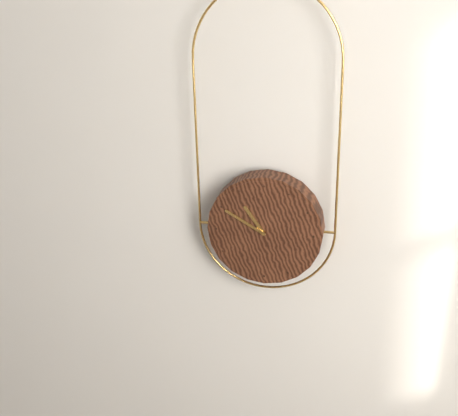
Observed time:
h=10 m=50
